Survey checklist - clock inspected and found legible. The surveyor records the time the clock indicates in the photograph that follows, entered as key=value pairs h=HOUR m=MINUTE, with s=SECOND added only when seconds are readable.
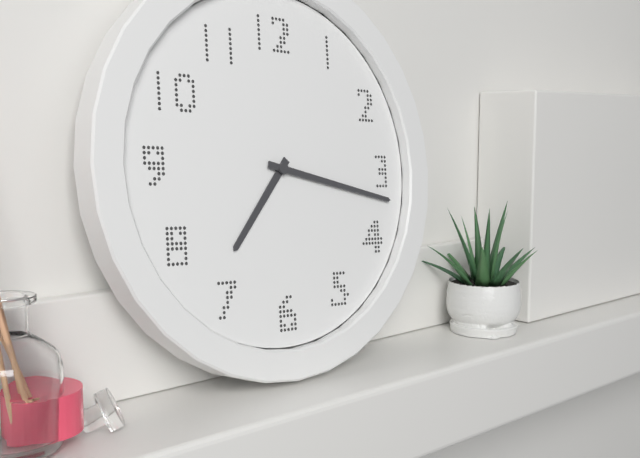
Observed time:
h=7 m=17
